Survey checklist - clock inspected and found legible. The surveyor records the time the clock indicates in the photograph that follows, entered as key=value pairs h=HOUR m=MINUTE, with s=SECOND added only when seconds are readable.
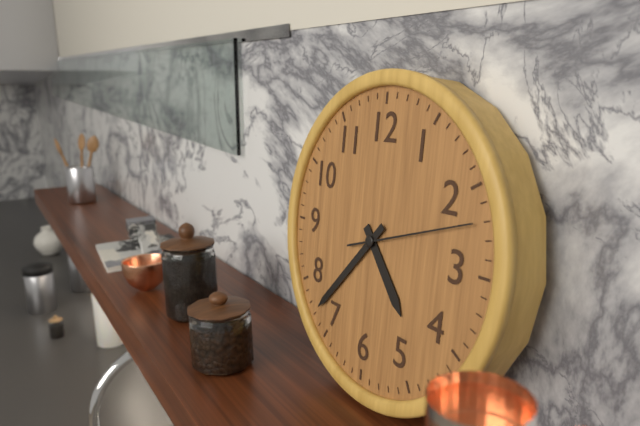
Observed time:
h=4 m=37 s=12
